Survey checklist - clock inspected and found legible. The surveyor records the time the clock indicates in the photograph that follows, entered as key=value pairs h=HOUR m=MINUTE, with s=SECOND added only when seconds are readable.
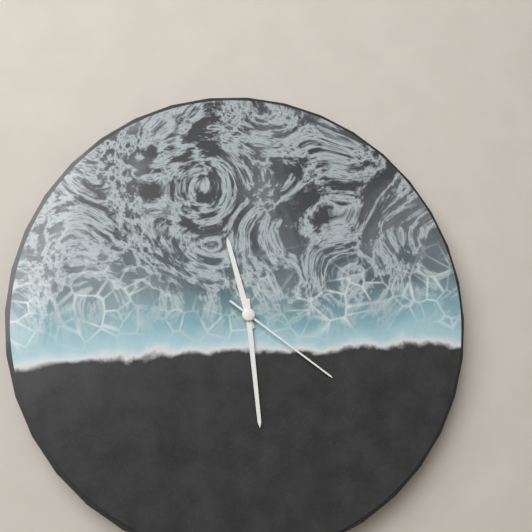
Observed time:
h=11 m=29 s=21
